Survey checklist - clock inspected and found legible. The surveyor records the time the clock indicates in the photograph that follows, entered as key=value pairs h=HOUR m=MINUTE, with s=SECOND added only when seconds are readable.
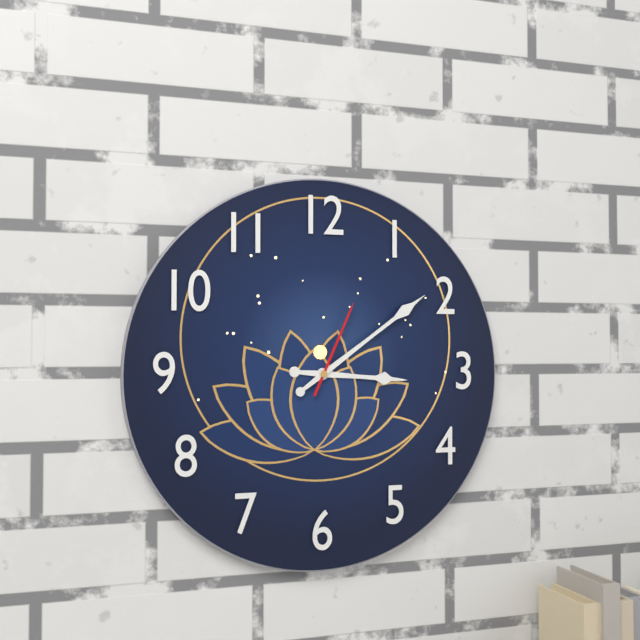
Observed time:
h=3 m=9 s=4
